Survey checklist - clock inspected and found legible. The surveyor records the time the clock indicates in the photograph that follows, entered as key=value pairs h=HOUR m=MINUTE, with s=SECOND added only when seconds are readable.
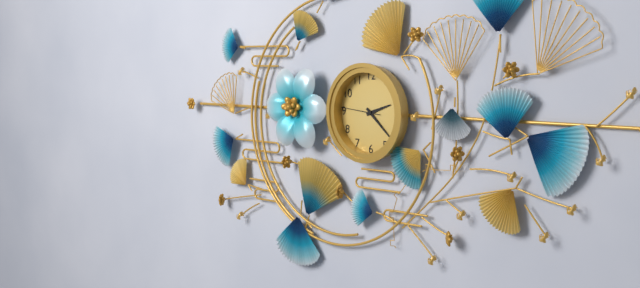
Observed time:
h=2 m=22
